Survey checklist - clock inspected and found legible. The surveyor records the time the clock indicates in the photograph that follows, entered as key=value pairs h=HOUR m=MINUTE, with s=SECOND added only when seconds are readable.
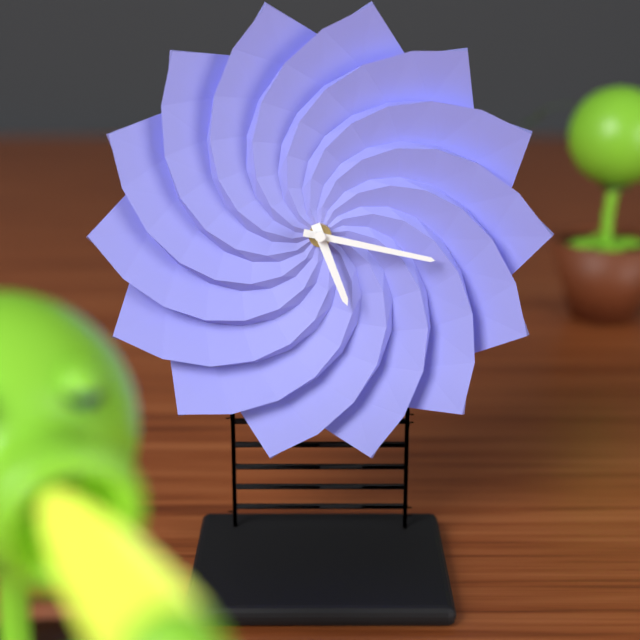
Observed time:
h=5 m=17
